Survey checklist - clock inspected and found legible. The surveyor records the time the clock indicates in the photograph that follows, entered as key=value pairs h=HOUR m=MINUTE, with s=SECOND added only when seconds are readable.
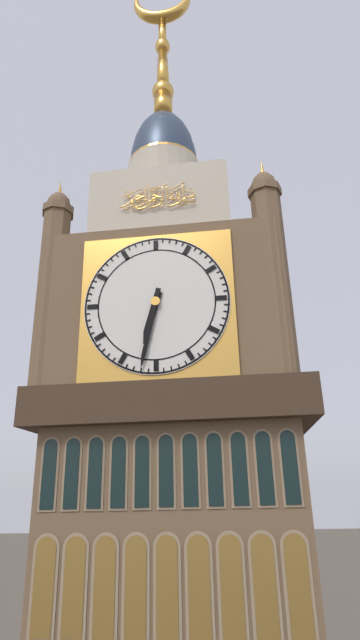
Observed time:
h=6 m=32
